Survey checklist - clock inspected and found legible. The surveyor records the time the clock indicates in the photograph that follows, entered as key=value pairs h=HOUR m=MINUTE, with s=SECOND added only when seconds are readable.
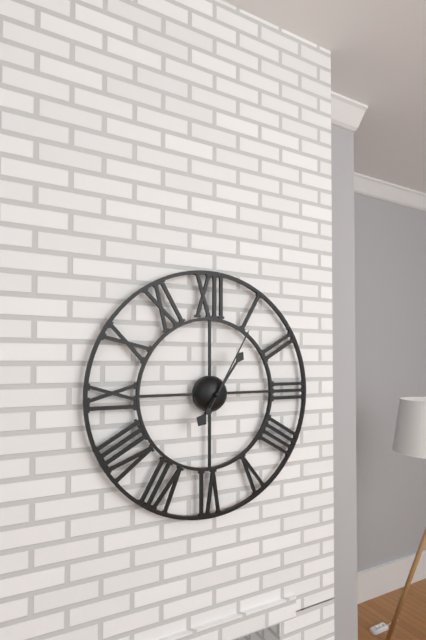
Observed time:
h=7 m=6 s=5
